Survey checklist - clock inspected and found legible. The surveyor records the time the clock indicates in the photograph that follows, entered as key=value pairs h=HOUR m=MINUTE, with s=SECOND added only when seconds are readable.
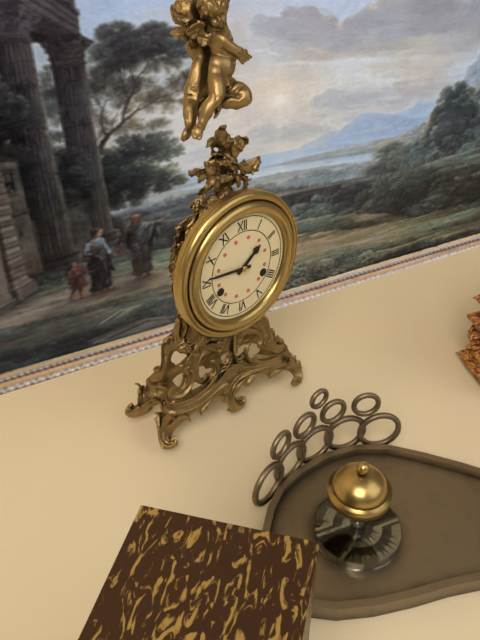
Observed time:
h=1 m=46
